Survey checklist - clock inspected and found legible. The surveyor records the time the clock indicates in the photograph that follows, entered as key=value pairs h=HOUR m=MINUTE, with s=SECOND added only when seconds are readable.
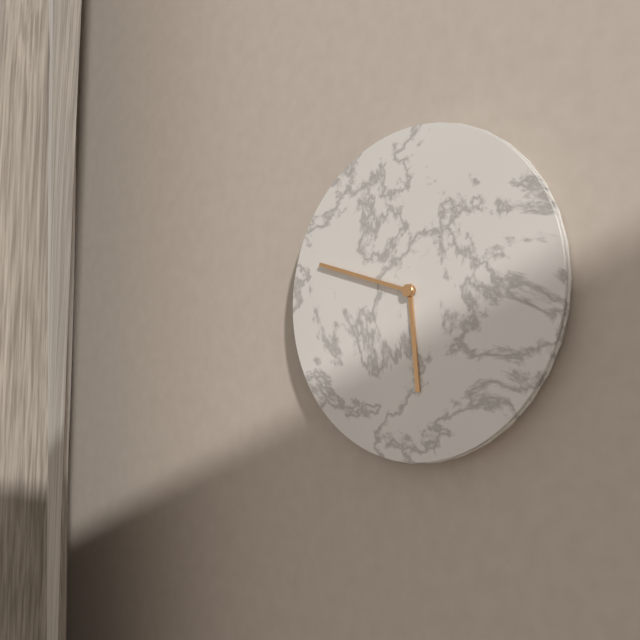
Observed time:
h=5 m=48
